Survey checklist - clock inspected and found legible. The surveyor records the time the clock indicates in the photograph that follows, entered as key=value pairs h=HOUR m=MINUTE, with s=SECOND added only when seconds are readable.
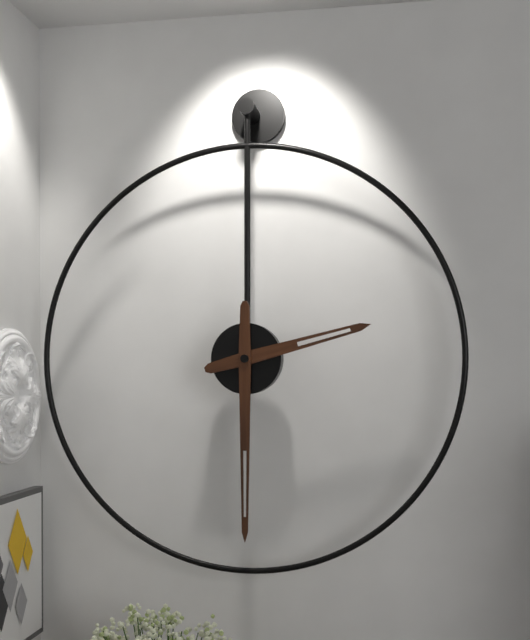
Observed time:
h=2 m=30
